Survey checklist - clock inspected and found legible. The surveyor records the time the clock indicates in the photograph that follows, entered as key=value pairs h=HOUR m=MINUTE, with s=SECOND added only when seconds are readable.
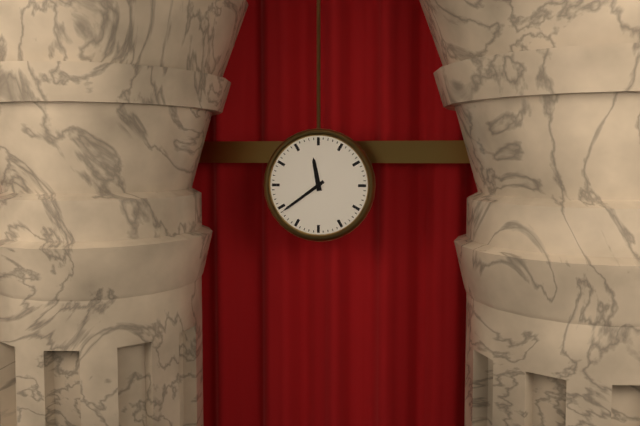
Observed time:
h=11 m=39
